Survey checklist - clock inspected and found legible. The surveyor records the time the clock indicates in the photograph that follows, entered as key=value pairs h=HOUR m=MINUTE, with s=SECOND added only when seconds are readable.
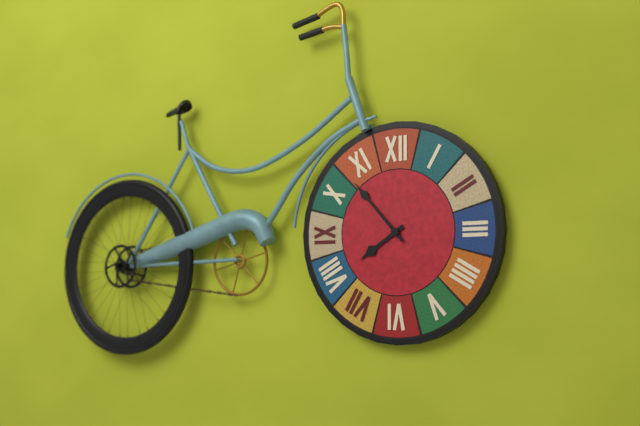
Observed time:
h=7 m=53
